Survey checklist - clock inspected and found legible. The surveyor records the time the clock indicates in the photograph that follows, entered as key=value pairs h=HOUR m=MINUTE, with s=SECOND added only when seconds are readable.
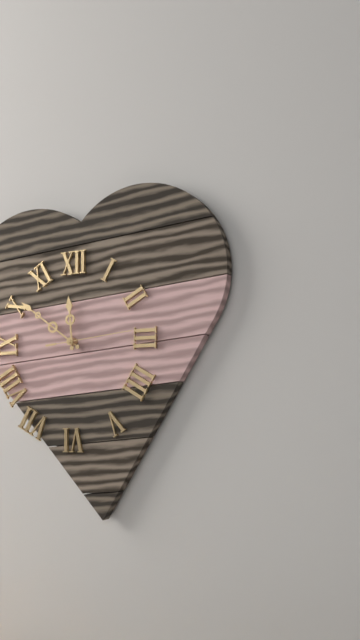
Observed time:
h=11 m=51 s=14
